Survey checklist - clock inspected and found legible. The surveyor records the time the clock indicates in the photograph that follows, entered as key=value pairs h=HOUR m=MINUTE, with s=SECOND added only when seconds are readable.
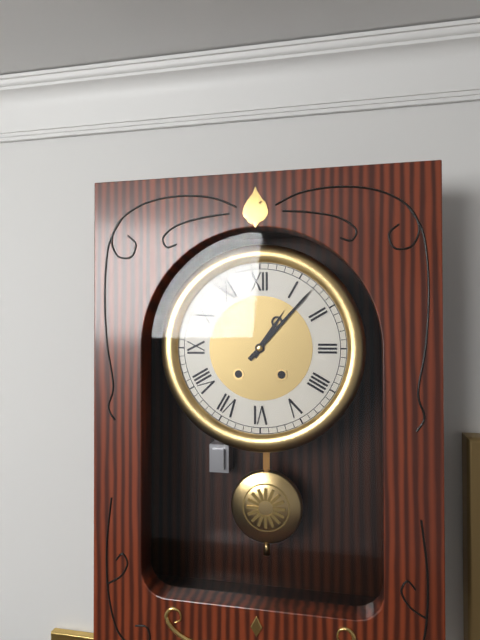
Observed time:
h=1 m=7
